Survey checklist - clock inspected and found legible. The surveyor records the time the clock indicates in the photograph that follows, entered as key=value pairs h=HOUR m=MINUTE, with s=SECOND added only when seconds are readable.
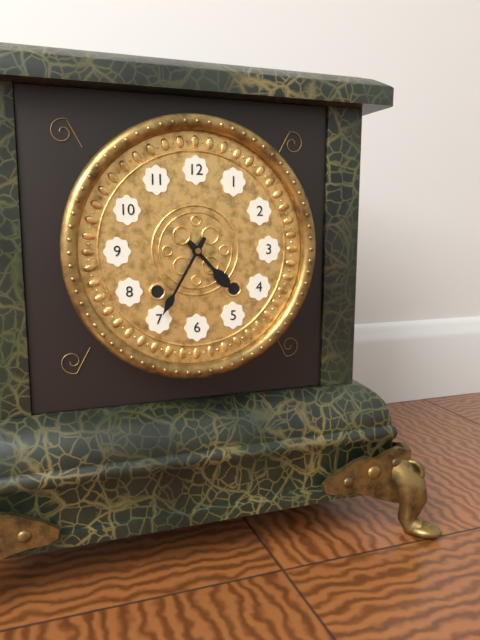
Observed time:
h=4 m=35
